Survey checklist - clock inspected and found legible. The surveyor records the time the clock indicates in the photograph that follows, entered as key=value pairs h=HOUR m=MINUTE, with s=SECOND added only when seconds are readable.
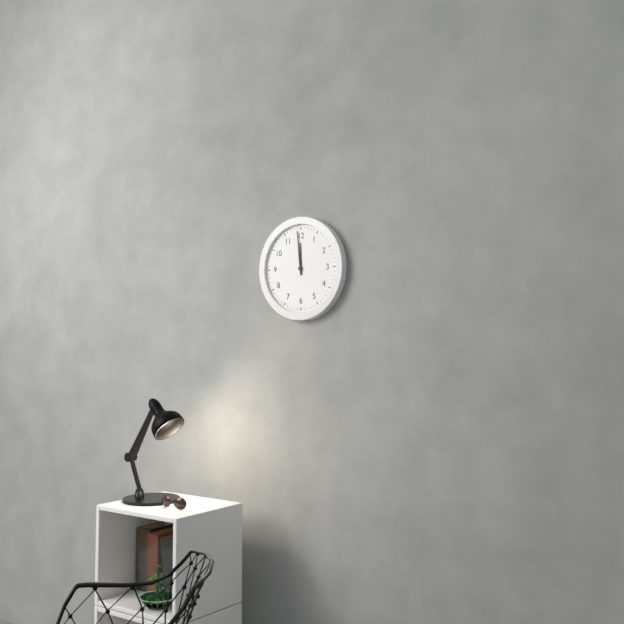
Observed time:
h=11 m=59
